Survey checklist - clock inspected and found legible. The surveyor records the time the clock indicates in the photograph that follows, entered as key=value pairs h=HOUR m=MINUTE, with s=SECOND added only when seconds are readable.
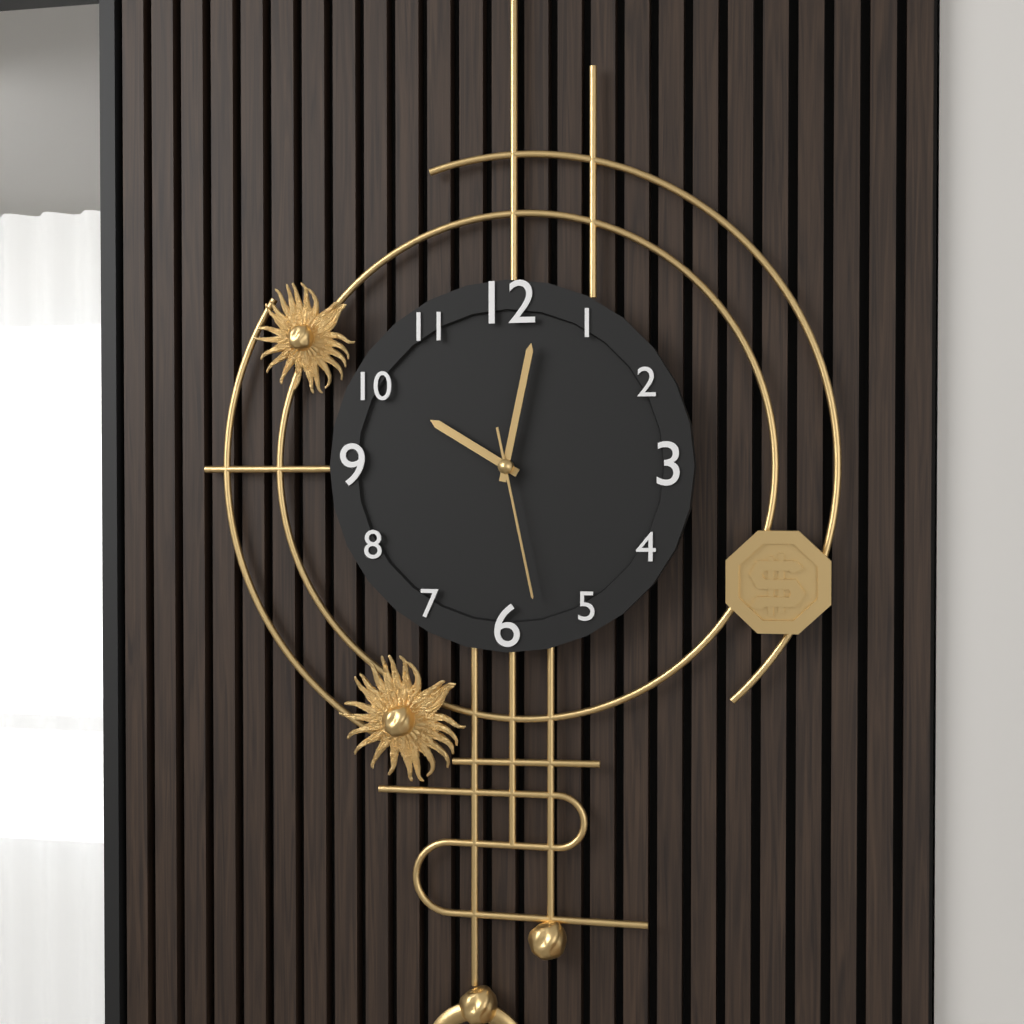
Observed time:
h=10 m=2 s=28
